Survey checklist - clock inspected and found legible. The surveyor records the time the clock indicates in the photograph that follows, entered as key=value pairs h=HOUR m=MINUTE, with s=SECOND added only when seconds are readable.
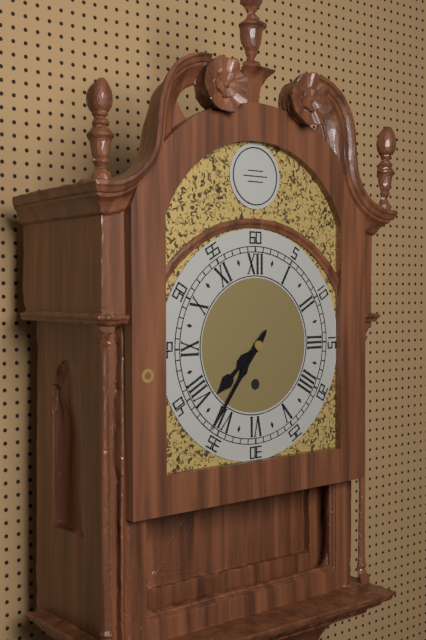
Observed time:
h=7 m=36
